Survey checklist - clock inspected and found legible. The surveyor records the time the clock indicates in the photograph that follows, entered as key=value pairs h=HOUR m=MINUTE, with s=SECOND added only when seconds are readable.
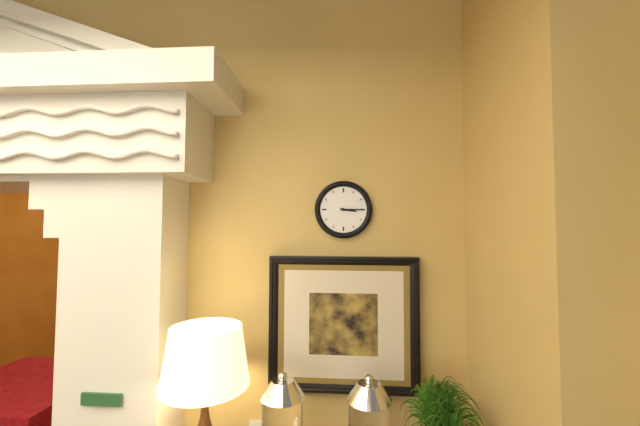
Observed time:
h=3 m=15
